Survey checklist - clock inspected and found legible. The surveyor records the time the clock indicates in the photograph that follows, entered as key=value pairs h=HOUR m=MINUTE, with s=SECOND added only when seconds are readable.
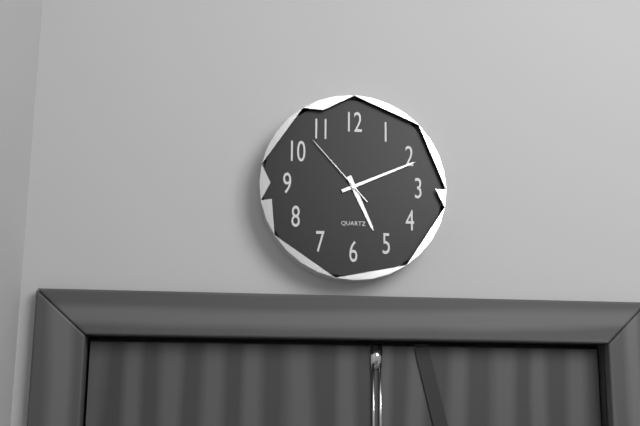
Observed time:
h=5 m=11 s=53
